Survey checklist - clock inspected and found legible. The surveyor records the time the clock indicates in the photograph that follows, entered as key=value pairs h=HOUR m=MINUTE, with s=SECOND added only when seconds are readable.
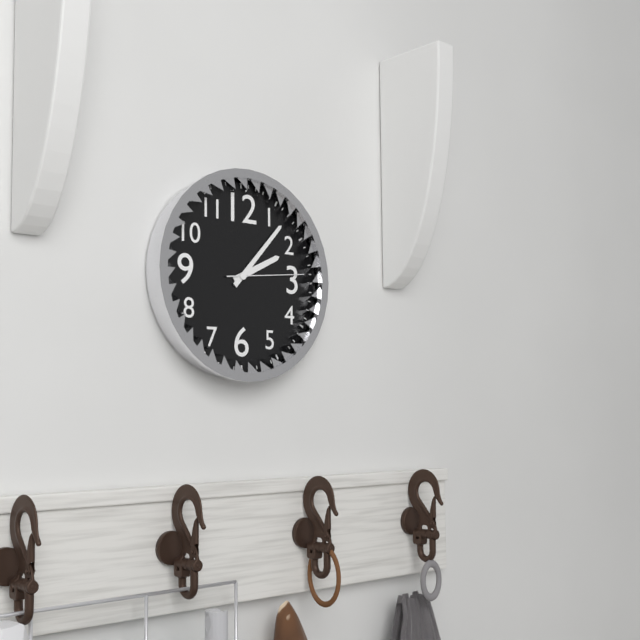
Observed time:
h=2 m=7 s=14
